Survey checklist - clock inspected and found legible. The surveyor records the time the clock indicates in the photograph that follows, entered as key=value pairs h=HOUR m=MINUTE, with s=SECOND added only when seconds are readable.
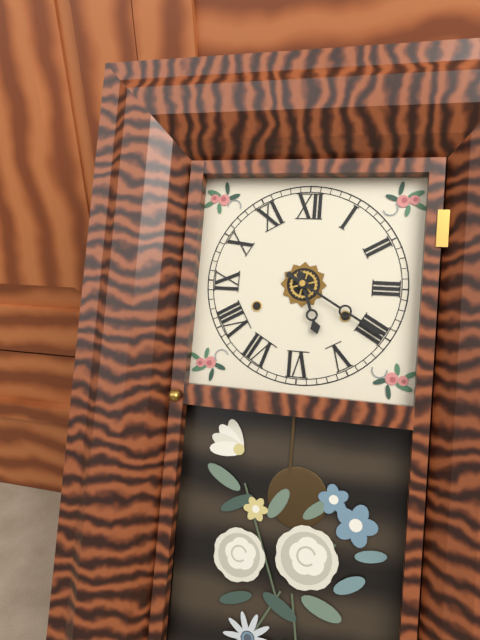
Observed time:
h=5 m=20
